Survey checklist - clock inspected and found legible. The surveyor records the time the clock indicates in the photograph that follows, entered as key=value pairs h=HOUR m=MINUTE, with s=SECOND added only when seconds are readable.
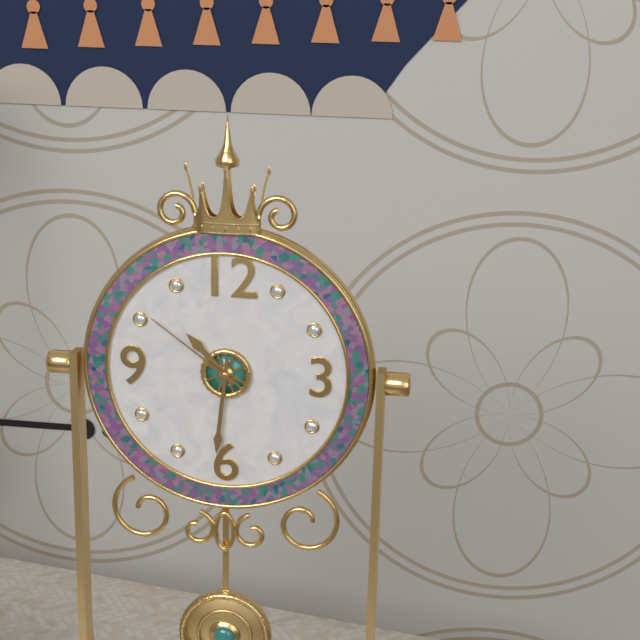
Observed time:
h=10 m=31 s=51
